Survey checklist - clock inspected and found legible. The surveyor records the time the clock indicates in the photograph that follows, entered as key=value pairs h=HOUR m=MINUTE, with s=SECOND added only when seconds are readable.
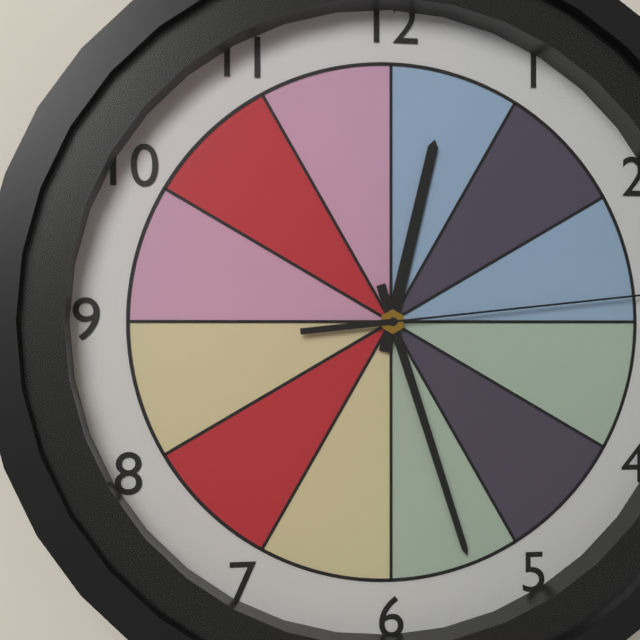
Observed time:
h=12 m=27
